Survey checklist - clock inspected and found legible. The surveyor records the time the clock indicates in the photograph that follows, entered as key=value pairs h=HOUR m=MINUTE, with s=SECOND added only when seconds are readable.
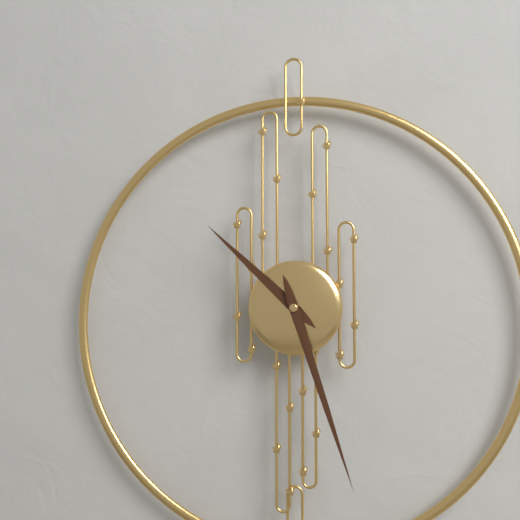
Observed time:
h=10 m=27
